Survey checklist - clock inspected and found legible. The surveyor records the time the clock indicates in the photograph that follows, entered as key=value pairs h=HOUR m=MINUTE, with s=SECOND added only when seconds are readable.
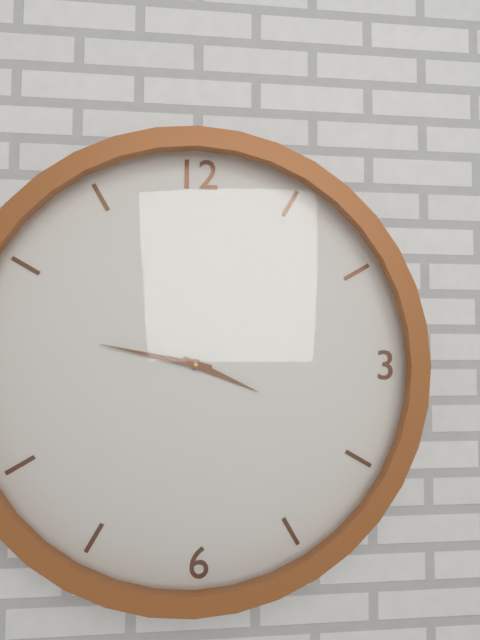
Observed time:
h=3 m=47
